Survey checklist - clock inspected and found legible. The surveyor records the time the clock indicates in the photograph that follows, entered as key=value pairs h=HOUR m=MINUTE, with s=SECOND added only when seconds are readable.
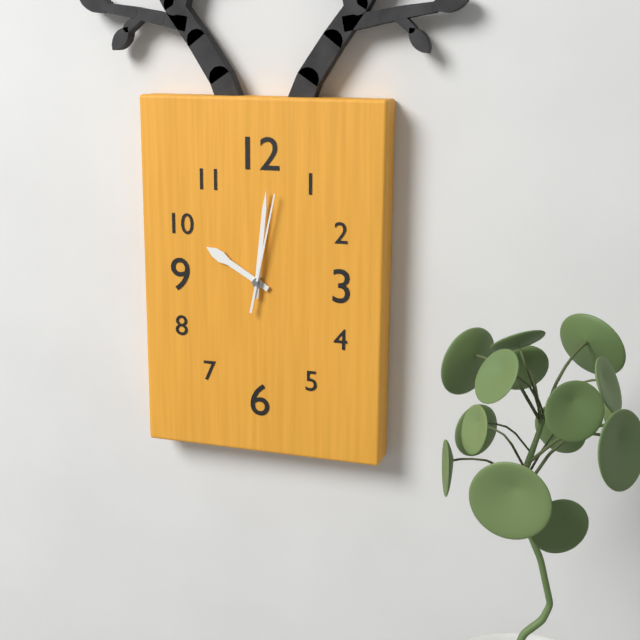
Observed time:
h=10 m=1 s=2
